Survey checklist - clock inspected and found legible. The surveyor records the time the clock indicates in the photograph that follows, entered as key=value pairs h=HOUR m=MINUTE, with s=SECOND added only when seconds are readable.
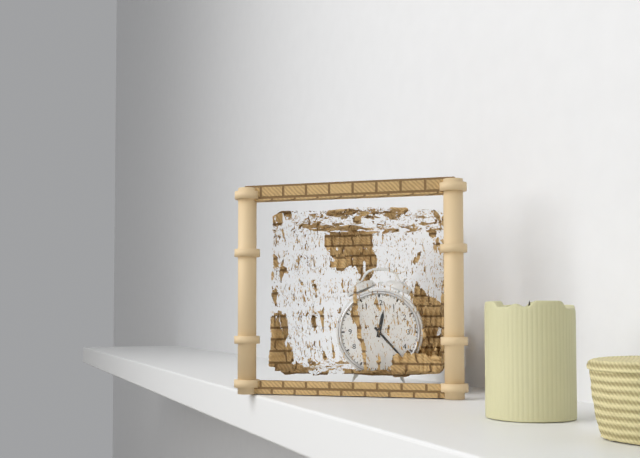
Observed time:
h=12 m=23
